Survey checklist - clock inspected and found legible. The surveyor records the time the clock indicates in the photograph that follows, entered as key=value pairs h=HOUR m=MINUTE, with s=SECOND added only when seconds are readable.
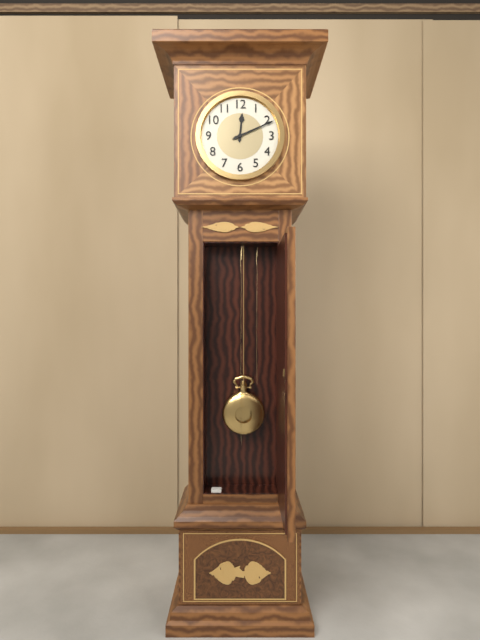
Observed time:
h=12 m=11
